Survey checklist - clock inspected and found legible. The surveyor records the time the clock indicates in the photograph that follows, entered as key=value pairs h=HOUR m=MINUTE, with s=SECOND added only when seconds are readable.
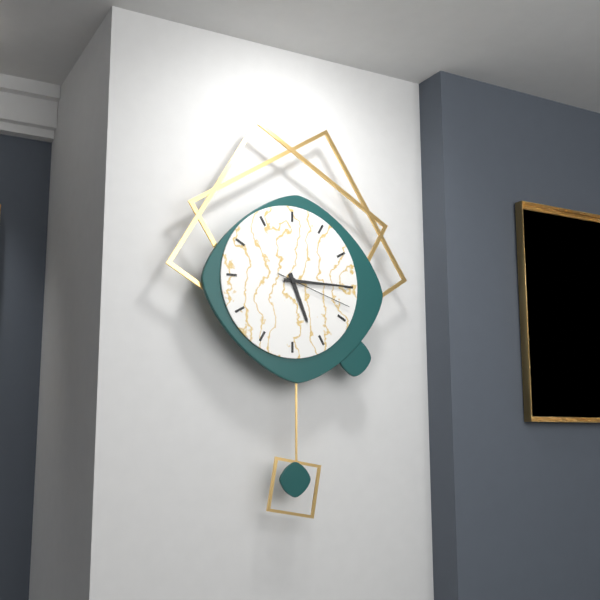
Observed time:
h=5 m=15 s=18
